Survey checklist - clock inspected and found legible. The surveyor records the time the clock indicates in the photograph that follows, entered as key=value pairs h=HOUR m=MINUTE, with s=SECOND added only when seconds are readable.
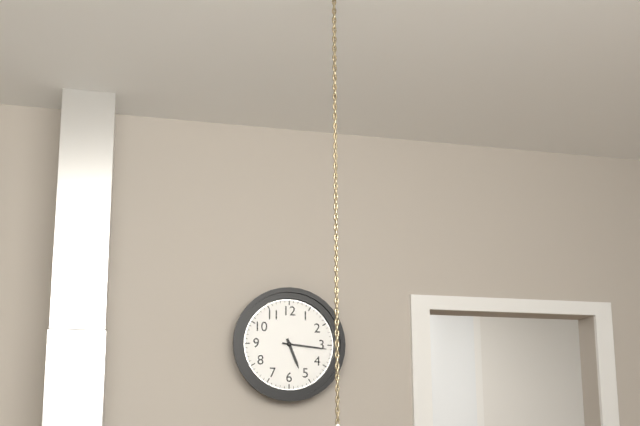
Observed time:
h=5 m=16
